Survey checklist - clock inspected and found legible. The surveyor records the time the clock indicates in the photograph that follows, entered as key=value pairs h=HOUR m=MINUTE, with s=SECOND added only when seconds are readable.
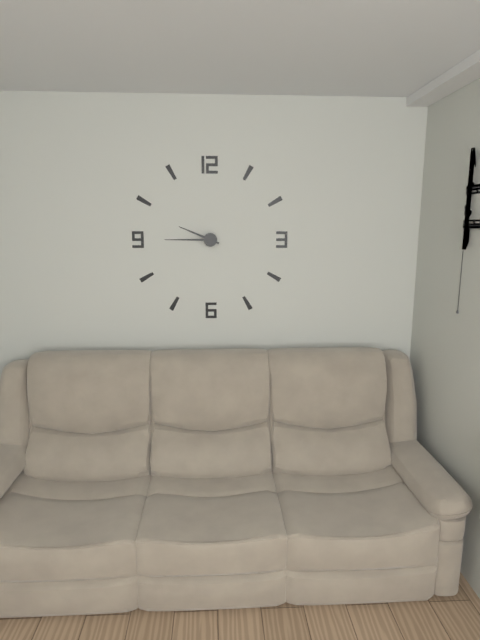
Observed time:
h=9 m=45
